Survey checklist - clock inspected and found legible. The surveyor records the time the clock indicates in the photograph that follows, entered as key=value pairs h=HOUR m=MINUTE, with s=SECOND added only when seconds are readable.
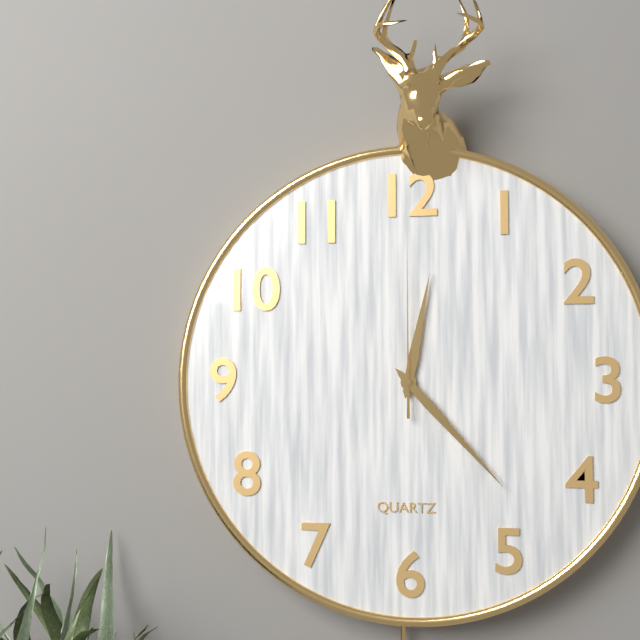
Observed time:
h=12 m=23 s=0
